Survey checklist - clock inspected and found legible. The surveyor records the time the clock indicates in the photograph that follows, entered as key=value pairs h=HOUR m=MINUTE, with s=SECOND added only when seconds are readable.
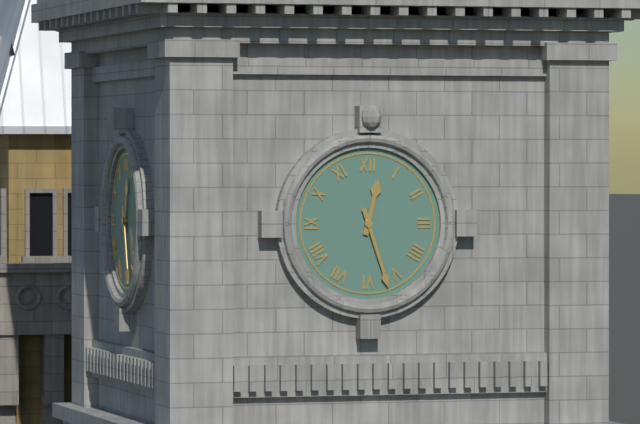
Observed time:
h=12 m=27
